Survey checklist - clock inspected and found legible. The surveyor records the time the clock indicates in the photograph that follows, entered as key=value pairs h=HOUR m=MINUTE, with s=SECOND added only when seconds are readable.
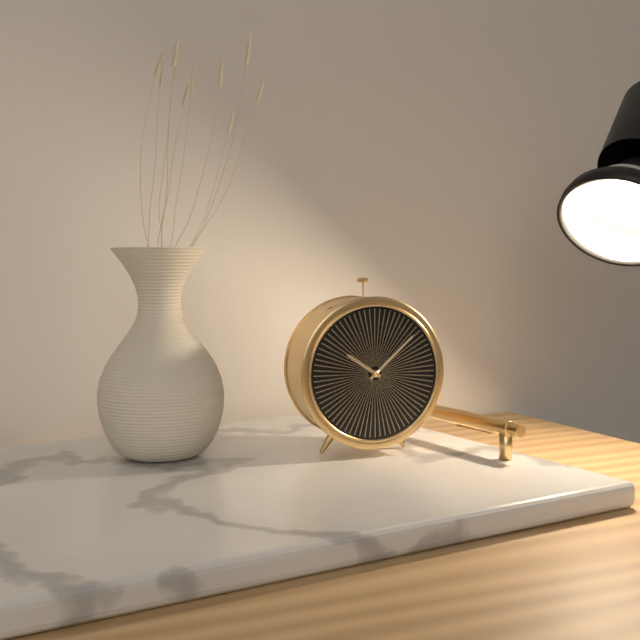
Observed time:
h=10 m=8
